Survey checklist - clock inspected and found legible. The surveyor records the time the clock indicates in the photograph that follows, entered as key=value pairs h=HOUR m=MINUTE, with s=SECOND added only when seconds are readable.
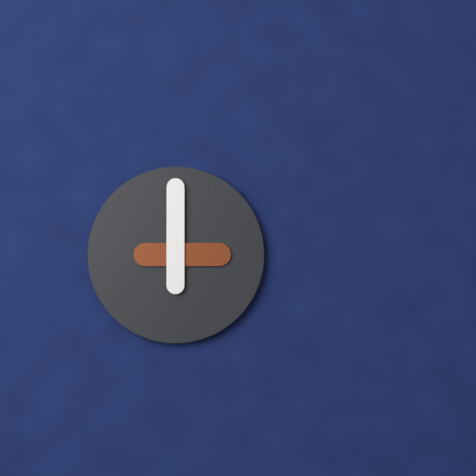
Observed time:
h=3 m=0
